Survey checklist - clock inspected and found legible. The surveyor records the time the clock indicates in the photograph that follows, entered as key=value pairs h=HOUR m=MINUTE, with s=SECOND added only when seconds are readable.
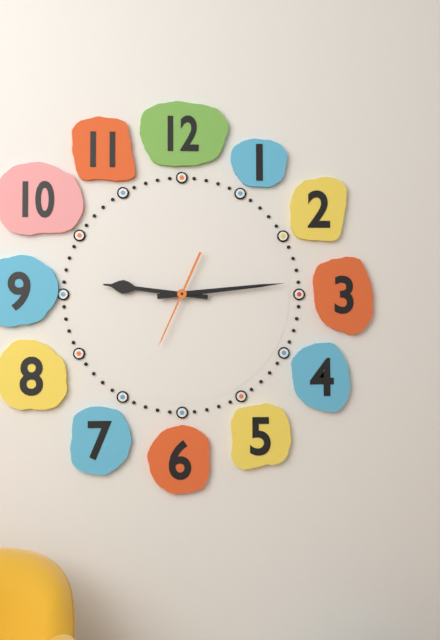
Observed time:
h=9 m=14 s=34
